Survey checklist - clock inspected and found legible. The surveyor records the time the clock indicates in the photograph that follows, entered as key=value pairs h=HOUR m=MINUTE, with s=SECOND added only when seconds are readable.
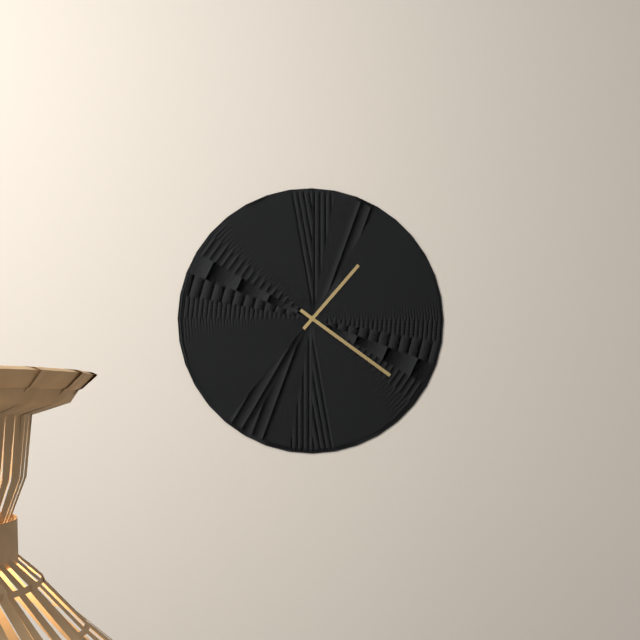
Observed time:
h=1 m=21
